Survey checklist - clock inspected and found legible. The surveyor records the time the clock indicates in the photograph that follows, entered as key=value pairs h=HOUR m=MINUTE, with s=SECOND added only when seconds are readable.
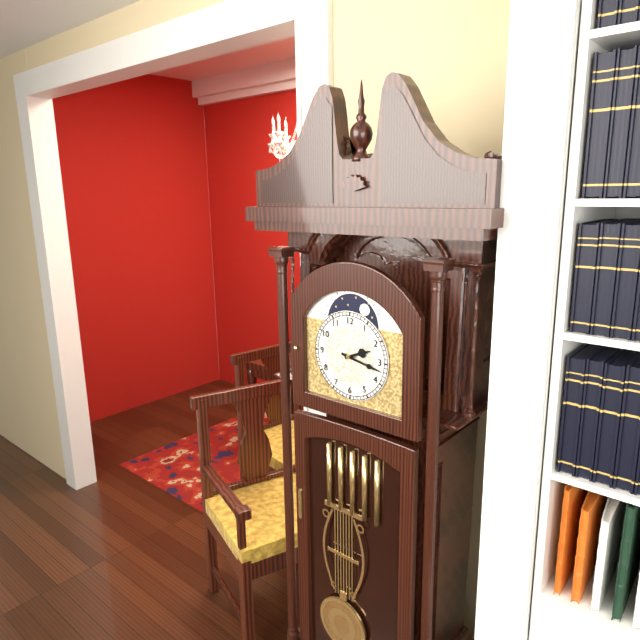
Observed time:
h=2 m=17
